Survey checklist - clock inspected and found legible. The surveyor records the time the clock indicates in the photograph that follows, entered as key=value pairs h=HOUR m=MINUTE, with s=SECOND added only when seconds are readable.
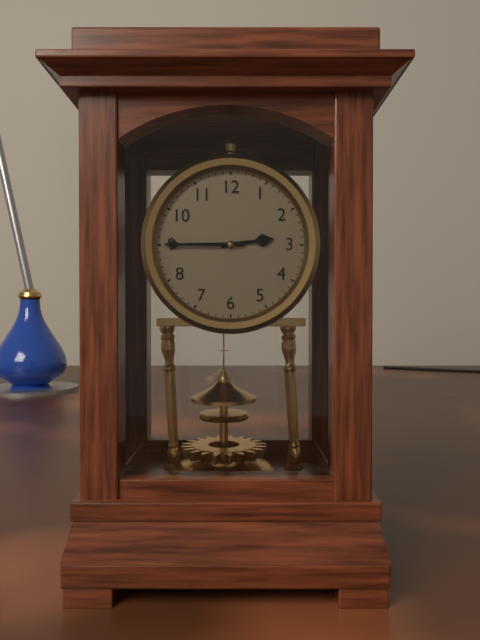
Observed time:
h=2 m=45
